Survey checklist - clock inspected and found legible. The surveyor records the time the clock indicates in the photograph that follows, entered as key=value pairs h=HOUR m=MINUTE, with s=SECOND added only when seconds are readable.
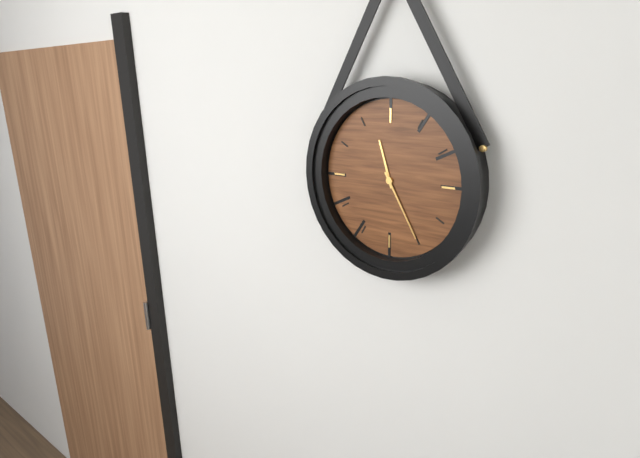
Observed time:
h=11 m=25
